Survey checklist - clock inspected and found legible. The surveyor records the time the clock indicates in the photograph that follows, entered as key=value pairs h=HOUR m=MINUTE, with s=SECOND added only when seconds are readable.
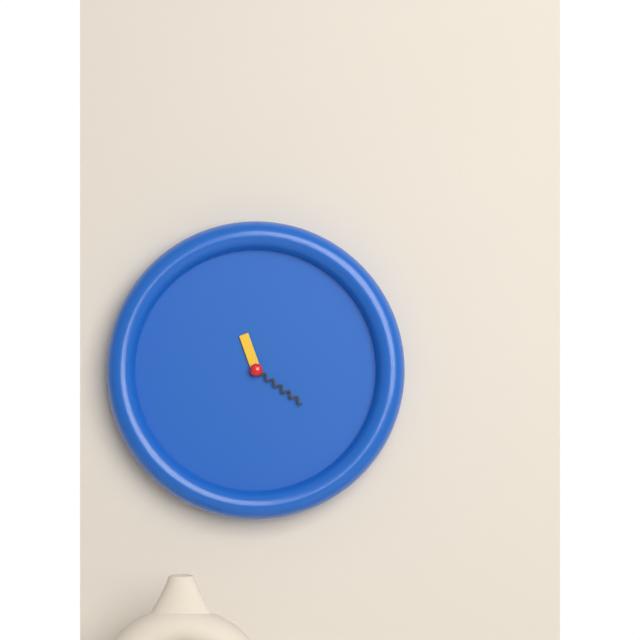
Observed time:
h=11 m=21
